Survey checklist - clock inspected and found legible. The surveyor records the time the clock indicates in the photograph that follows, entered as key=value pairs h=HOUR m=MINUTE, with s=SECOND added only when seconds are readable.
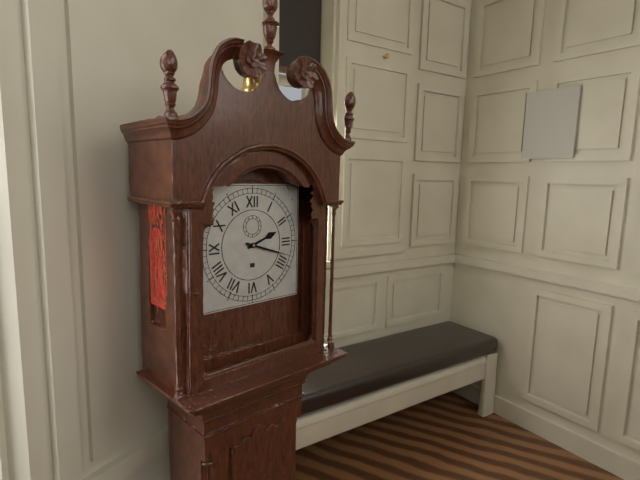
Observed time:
h=2 m=18
